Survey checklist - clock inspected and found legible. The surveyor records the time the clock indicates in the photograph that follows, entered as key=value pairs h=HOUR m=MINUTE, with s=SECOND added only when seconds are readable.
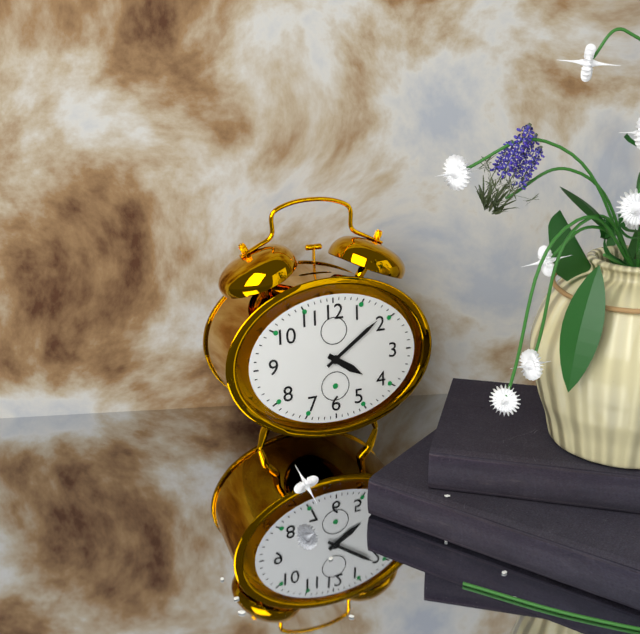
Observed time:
h=4 m=9
